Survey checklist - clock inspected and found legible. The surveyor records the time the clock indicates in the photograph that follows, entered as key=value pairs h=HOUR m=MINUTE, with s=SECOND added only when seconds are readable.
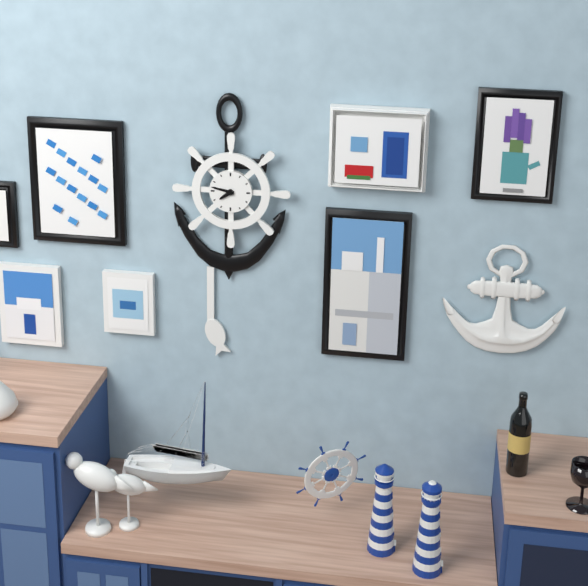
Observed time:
h=7 m=47
